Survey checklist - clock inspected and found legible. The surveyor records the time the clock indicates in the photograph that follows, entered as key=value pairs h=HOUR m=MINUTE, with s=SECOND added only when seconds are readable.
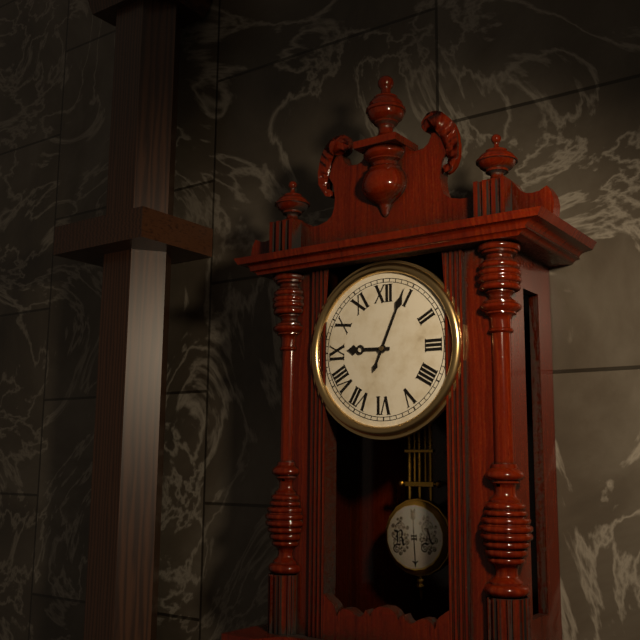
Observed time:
h=9 m=4
